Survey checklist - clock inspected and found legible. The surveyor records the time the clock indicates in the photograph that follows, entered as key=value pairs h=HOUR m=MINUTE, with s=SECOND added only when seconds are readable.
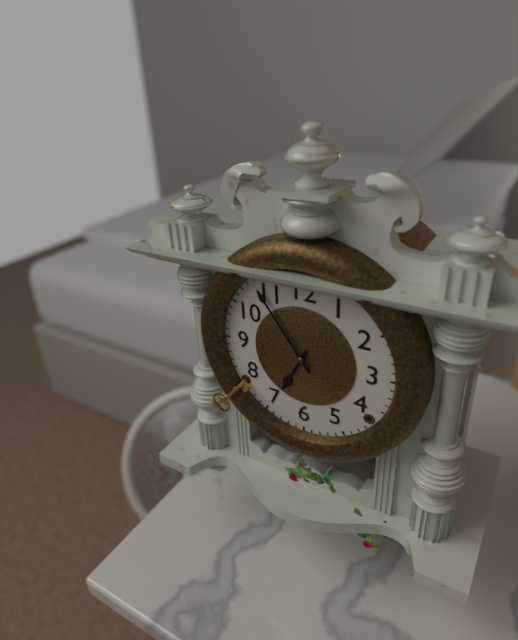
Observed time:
h=6 m=54
